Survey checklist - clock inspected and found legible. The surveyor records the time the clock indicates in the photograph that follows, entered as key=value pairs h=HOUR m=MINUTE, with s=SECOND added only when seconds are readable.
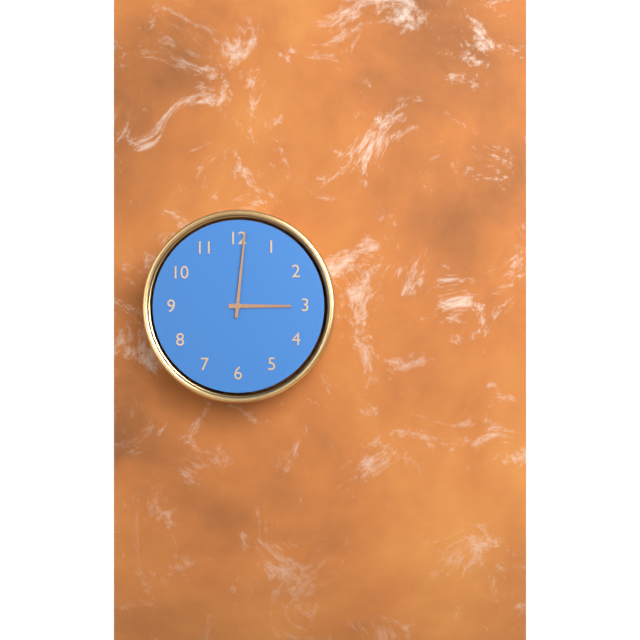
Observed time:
h=3 m=1
